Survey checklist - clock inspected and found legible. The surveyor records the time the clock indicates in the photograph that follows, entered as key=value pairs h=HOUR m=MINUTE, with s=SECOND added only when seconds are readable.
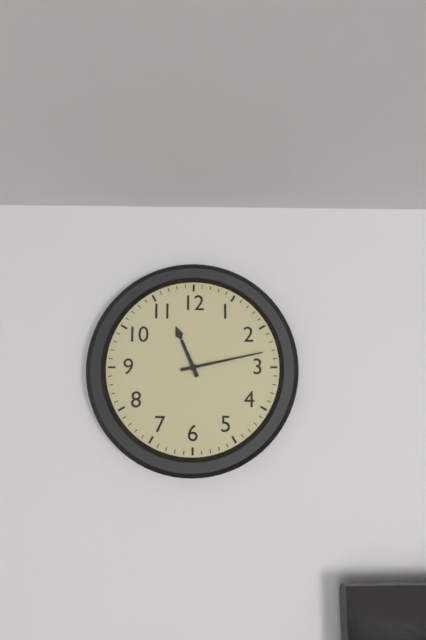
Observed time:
h=11 m=13
